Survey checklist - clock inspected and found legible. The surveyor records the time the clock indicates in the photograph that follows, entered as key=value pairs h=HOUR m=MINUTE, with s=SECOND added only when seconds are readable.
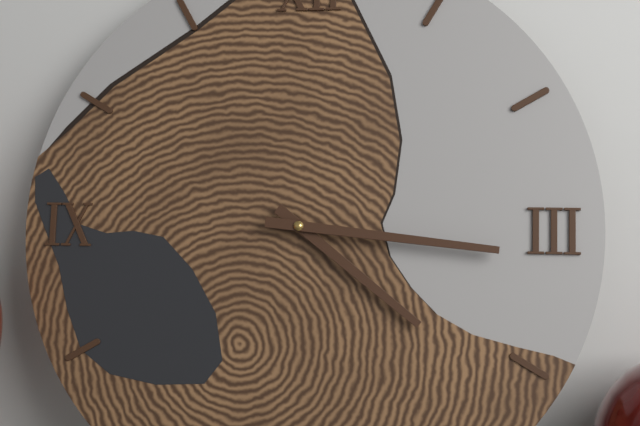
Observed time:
h=4 m=16
